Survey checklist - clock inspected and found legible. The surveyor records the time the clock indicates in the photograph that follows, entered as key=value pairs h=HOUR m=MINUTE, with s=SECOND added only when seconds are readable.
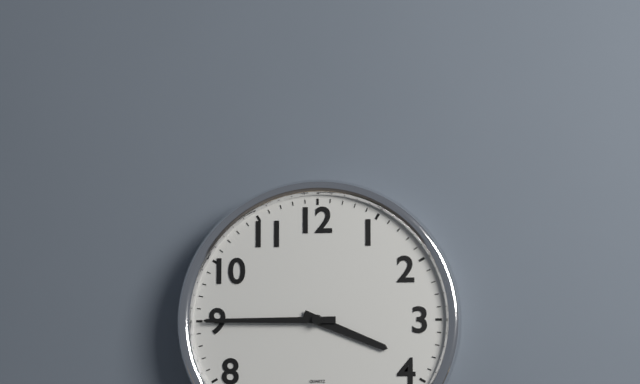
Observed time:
h=3 m=45
